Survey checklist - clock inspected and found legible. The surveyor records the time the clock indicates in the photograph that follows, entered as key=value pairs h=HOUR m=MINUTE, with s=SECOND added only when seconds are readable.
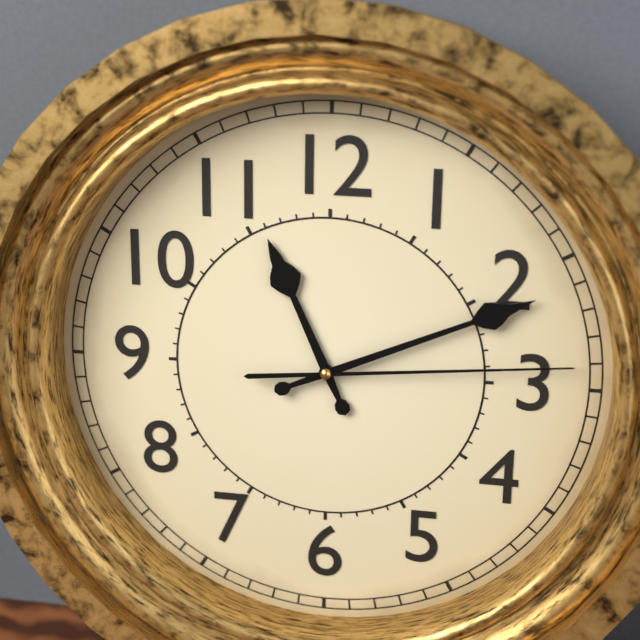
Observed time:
h=11 m=11 s=14
